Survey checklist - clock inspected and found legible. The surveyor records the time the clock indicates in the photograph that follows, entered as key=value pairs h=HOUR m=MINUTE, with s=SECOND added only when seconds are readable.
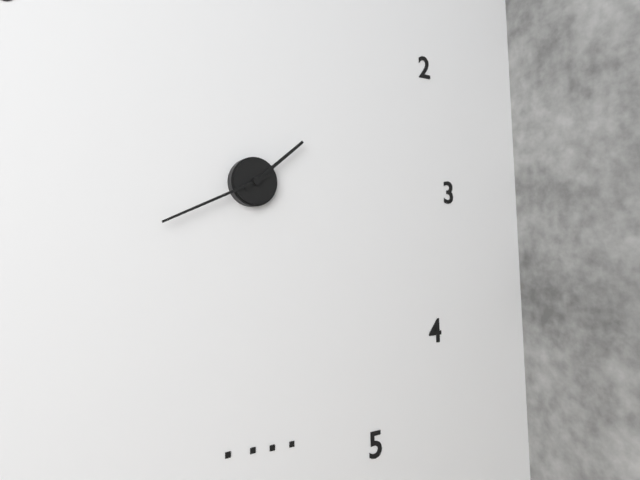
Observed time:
h=1 m=41
